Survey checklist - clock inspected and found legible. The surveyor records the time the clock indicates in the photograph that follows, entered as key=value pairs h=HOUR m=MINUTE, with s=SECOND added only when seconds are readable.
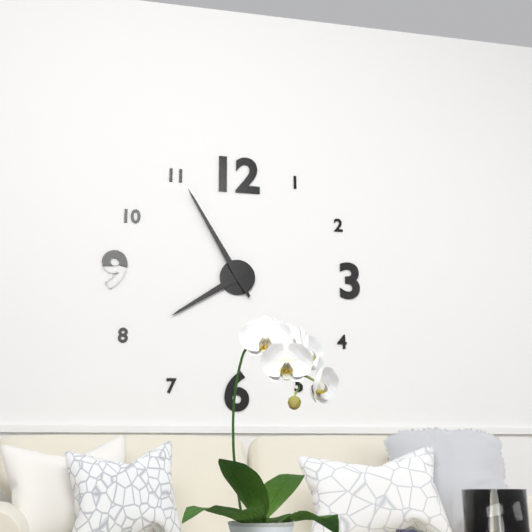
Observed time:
h=7 m=55
